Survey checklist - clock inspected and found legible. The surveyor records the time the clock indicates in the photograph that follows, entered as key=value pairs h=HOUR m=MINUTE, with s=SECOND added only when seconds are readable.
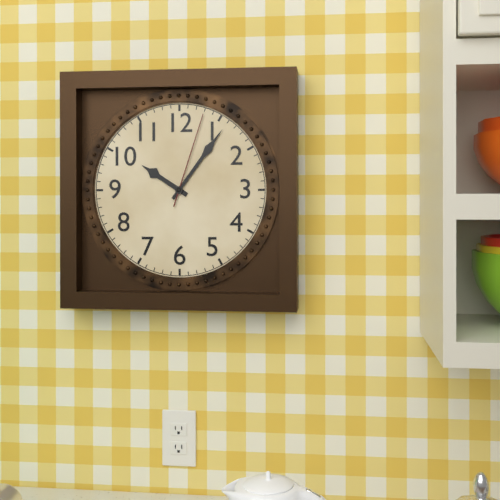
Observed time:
h=10 m=6 s=3
